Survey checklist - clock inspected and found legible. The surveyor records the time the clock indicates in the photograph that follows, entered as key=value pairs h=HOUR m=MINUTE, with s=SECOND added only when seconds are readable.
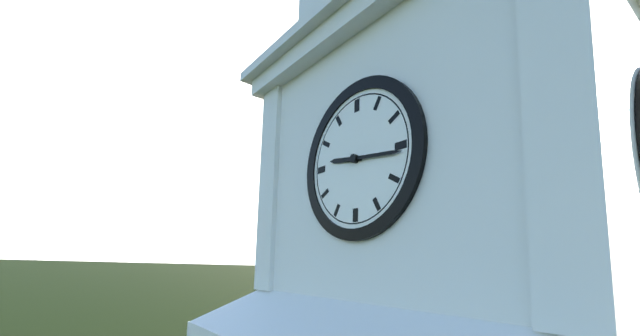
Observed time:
h=9 m=16
